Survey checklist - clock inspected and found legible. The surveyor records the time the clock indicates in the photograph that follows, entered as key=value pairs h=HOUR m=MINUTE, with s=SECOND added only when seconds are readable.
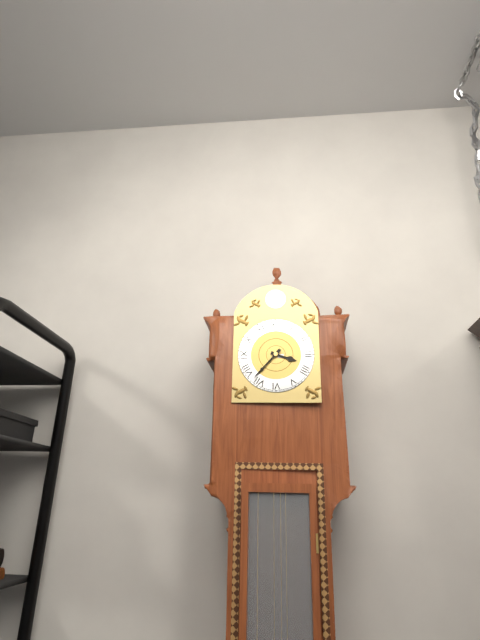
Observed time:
h=3 m=37
